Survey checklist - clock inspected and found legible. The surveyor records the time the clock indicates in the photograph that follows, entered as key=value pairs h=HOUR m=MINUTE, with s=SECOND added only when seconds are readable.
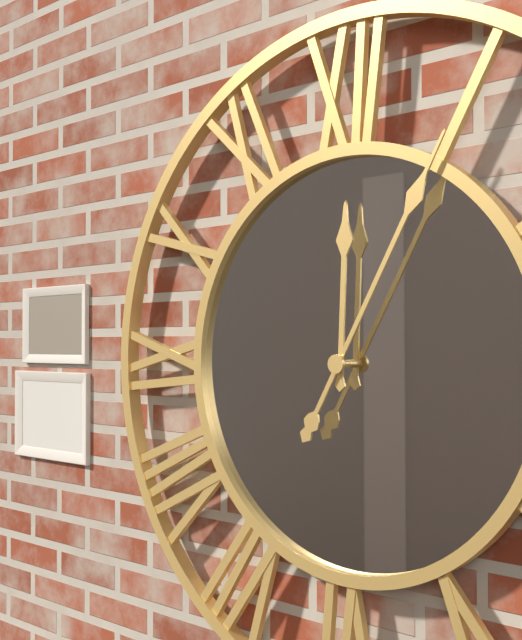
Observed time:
h=12 m=5
